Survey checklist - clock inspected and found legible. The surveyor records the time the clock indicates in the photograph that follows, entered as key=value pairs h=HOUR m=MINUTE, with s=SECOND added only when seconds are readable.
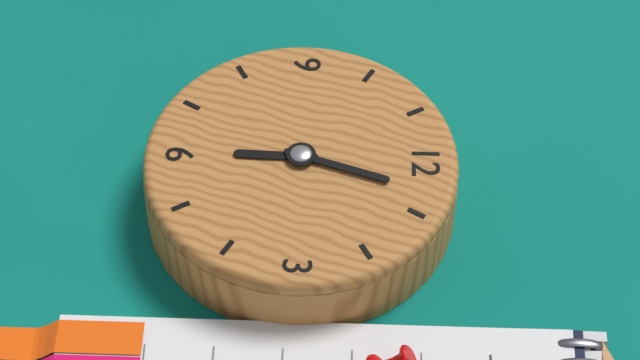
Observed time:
h=6 m=3
